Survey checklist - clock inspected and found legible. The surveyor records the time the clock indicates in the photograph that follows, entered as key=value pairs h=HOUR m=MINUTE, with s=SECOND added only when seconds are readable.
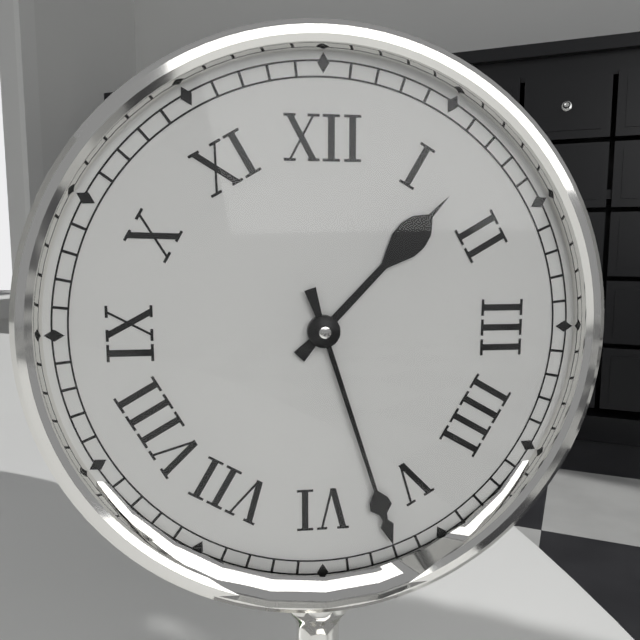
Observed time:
h=1 m=27
